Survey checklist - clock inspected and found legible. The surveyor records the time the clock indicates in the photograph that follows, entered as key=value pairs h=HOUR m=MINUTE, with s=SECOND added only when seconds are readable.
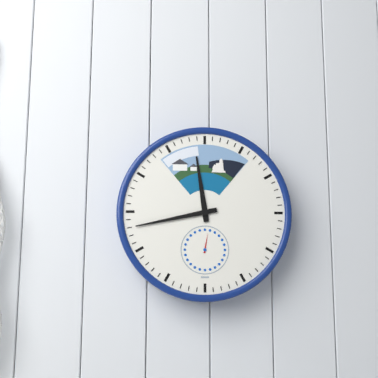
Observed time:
h=11 m=43
